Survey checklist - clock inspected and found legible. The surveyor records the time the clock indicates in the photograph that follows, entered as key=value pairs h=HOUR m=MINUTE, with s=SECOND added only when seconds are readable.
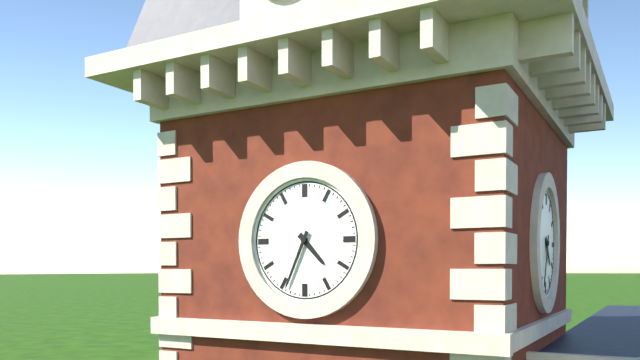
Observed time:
h=4 m=34
